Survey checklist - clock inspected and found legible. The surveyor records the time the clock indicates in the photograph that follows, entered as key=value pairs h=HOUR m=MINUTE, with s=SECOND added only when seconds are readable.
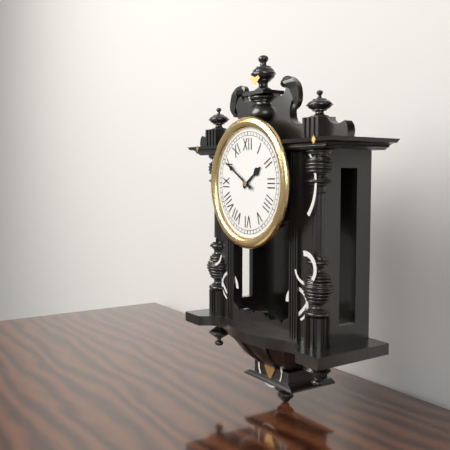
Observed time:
h=1 m=50
